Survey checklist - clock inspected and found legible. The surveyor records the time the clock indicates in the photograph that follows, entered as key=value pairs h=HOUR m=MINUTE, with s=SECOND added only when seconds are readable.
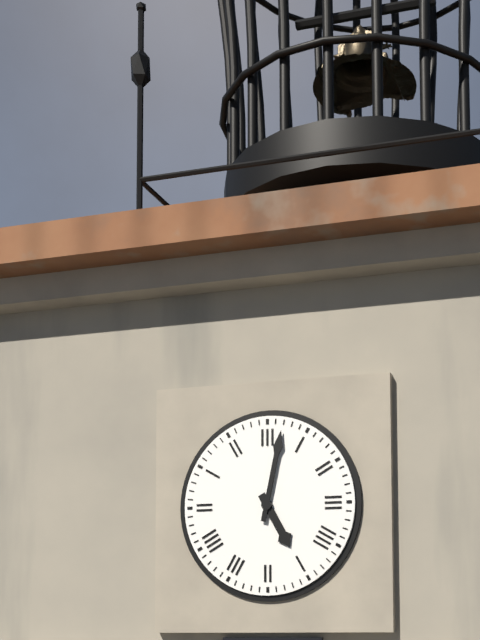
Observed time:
h=5 m=2
